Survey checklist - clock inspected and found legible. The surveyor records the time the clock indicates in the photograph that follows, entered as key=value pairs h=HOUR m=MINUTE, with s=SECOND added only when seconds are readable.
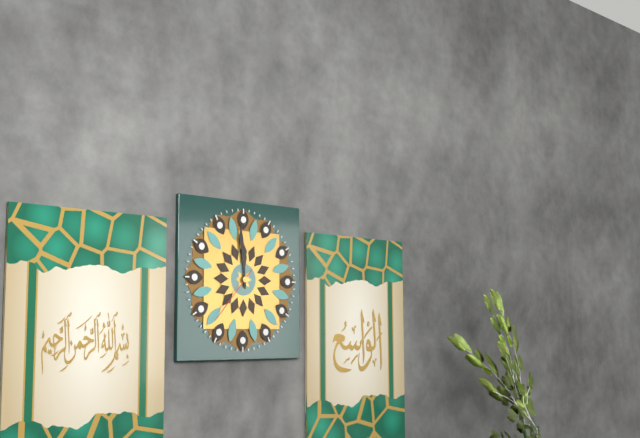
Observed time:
h=11 m=59 s=37
